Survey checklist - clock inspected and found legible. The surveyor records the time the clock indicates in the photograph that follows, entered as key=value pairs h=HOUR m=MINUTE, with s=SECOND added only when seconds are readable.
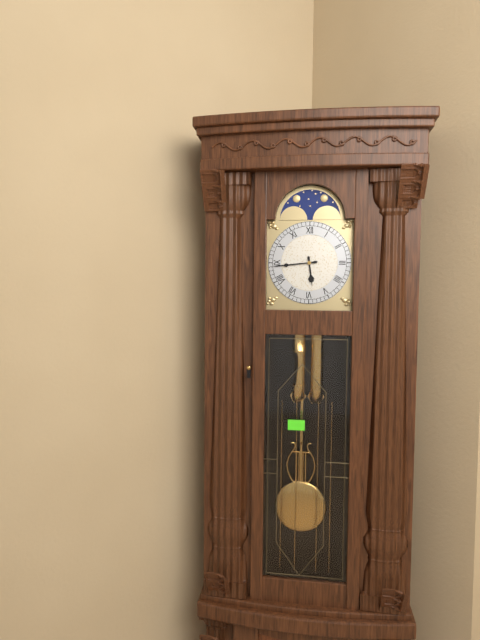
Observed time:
h=5 m=44
